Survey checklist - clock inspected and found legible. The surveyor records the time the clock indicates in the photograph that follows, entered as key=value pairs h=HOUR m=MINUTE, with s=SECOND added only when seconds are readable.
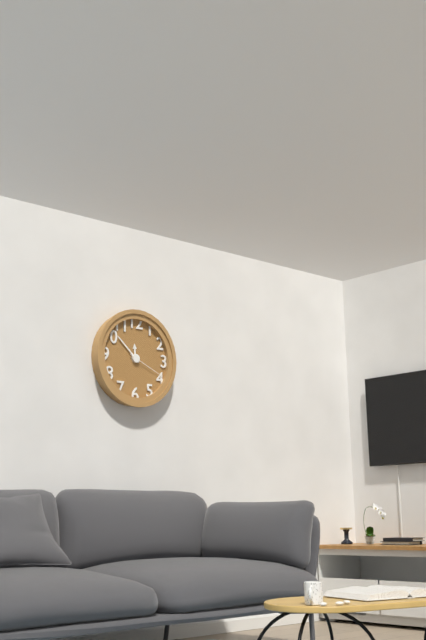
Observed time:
h=11 m=52
